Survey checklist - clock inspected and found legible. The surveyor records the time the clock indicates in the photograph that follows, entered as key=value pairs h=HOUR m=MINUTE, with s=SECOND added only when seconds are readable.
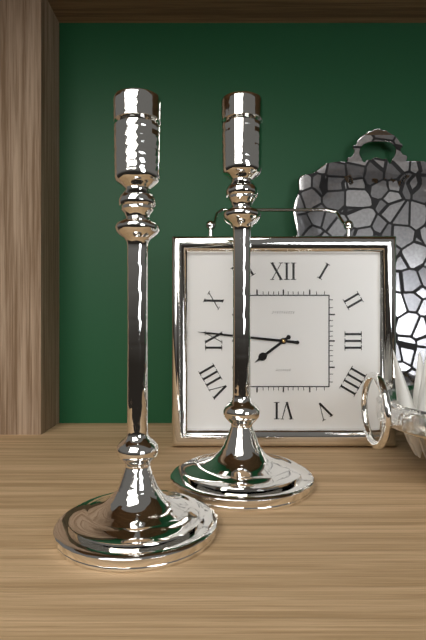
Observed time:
h=7 m=46
